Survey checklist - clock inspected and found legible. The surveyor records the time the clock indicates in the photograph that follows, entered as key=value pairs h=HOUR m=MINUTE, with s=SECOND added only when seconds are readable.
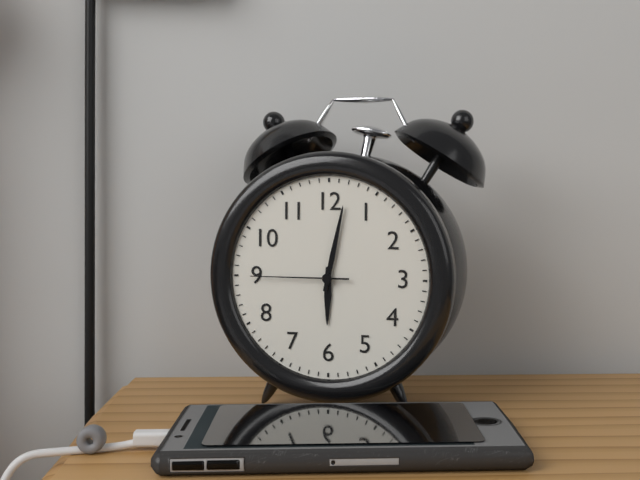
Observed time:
h=6 m=2 s=45
